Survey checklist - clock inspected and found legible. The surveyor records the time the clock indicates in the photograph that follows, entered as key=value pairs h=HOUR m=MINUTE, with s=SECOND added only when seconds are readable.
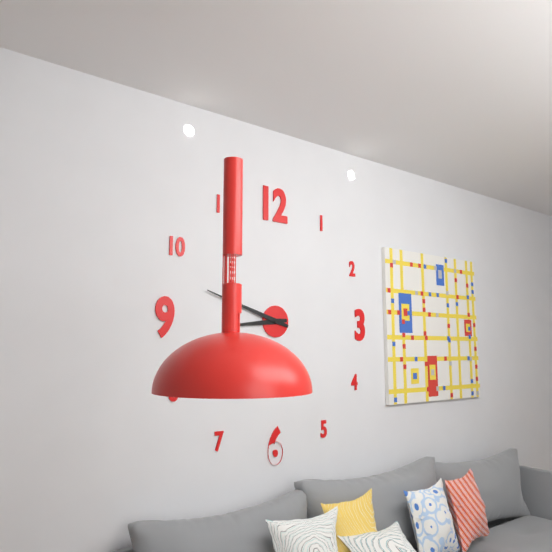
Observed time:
h=8 m=48
